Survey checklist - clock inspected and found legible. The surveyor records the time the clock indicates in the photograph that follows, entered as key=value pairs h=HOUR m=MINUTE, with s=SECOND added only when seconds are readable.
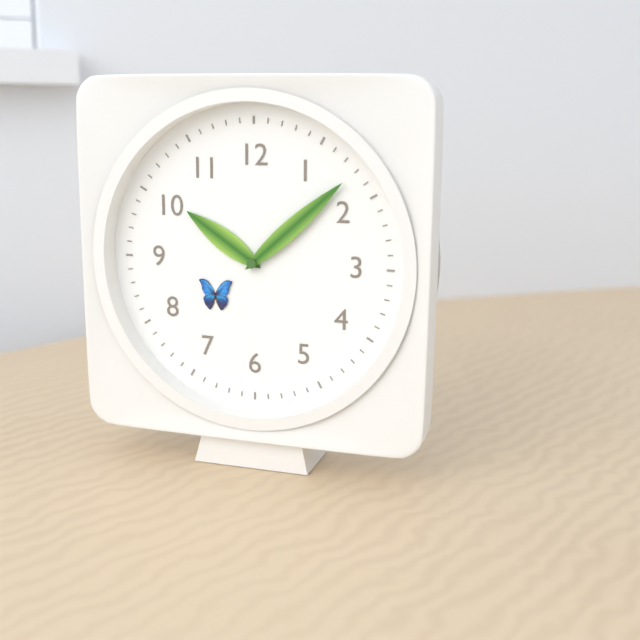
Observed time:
h=10 m=8
